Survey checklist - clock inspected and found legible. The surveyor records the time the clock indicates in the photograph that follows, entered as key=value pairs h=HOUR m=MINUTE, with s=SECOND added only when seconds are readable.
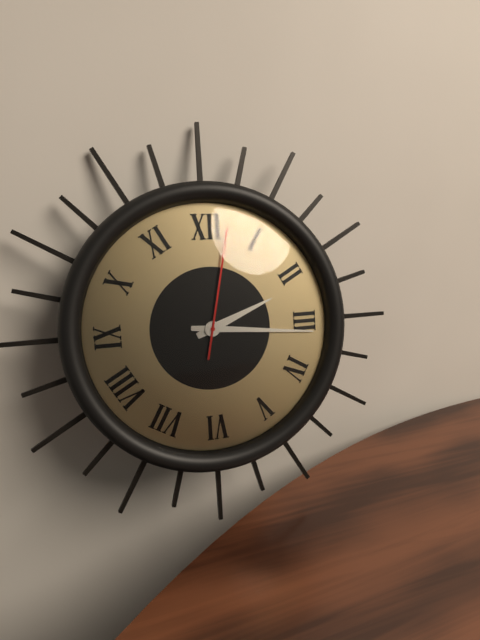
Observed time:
h=2 m=16 s=2
